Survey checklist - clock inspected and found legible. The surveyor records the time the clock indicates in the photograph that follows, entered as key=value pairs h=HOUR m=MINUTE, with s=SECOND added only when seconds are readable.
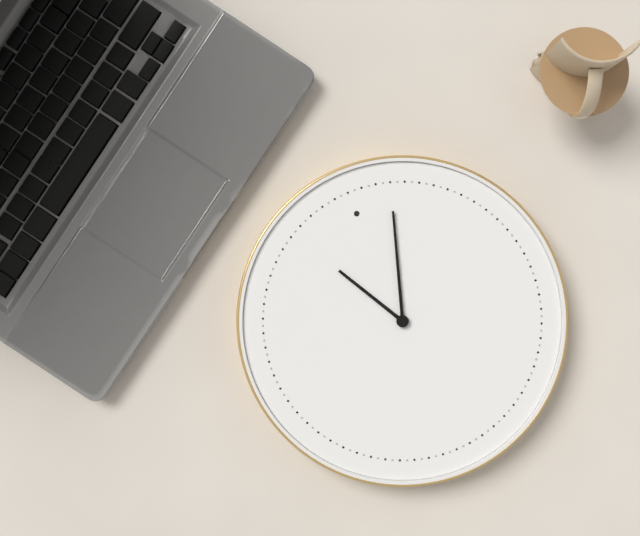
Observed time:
h=11 m=3
